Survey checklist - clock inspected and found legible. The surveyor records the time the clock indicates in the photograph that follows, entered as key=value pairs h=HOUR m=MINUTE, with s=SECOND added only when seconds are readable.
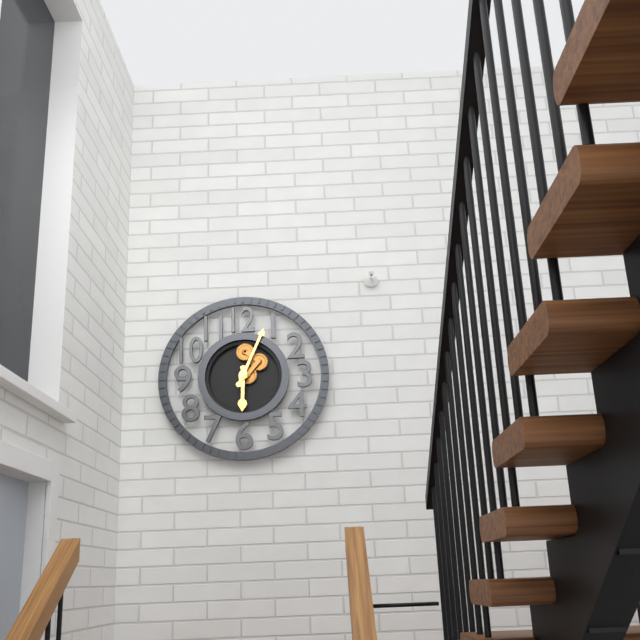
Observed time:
h=6 m=4
